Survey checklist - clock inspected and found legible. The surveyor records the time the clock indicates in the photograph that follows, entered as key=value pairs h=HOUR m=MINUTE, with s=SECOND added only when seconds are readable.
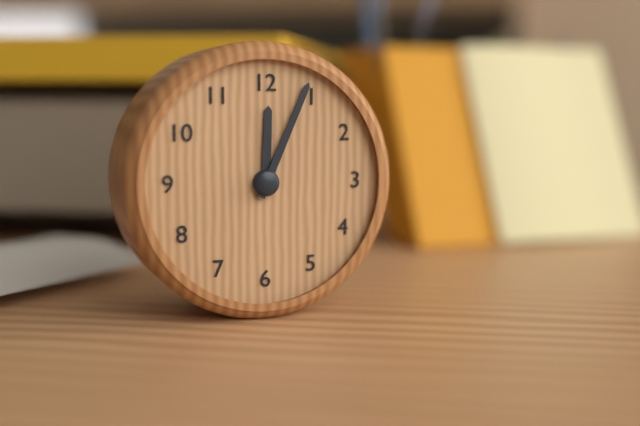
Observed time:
h=12 m=4
